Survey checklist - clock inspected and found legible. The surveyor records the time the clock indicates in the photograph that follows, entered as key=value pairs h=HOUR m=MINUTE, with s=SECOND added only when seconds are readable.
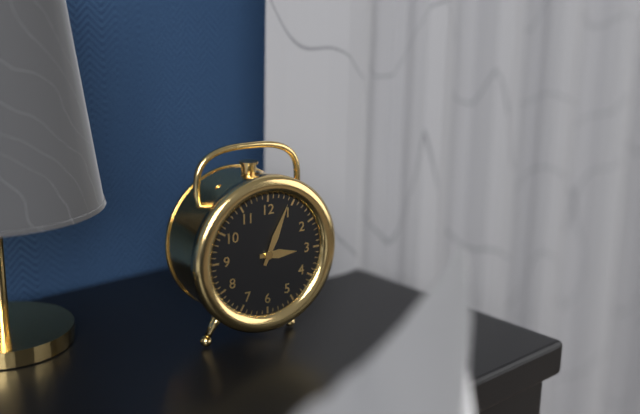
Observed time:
h=3 m=4
